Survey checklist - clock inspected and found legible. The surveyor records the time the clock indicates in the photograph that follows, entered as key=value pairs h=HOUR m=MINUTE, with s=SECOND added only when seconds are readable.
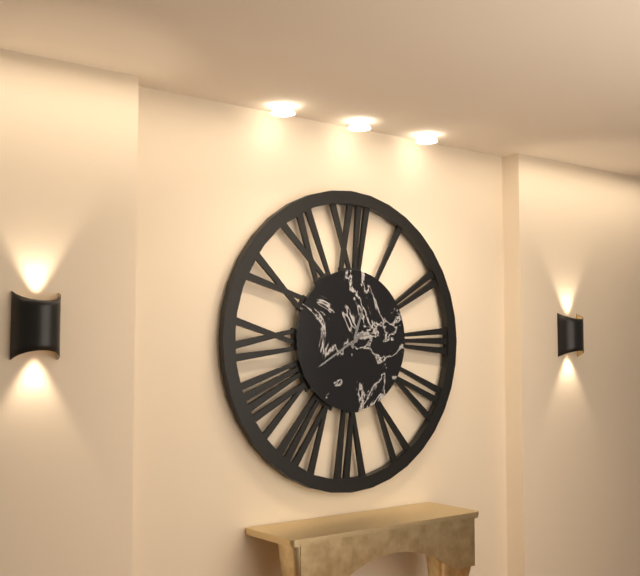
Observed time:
h=12 m=40
